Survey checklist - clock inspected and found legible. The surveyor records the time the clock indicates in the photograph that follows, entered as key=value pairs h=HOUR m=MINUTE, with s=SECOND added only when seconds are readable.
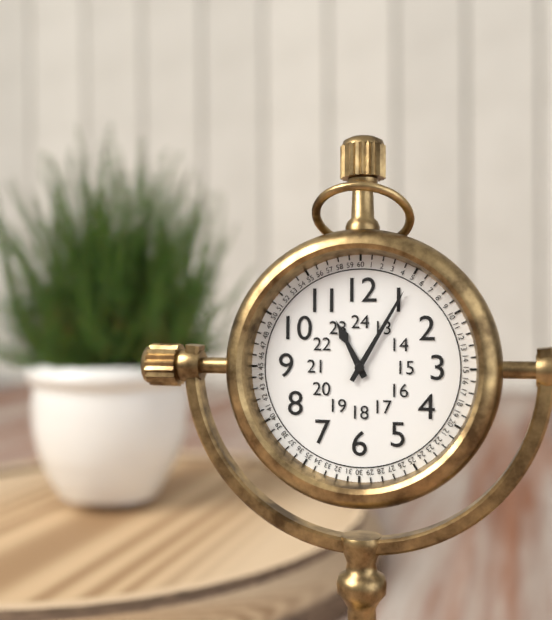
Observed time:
h=11 m=5
